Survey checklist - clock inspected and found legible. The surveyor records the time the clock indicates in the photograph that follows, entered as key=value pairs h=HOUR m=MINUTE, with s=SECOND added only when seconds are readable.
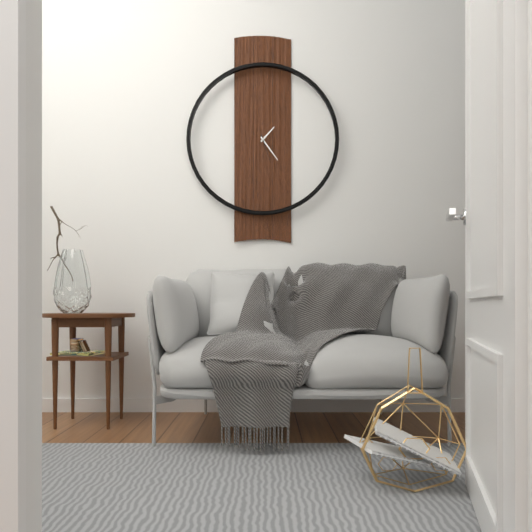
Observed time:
h=1 m=24
